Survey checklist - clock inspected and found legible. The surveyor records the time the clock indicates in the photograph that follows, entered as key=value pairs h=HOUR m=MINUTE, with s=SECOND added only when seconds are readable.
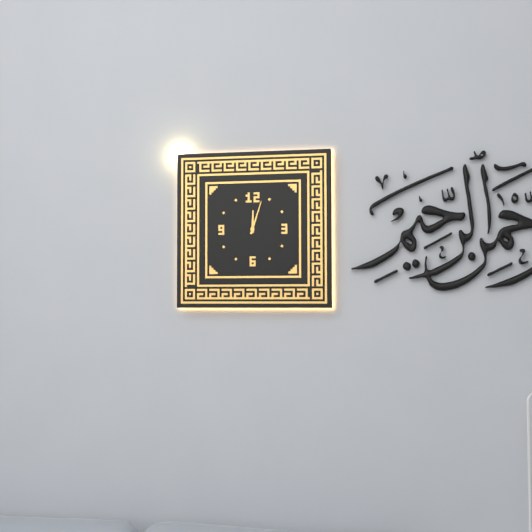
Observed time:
h=12 m=3
